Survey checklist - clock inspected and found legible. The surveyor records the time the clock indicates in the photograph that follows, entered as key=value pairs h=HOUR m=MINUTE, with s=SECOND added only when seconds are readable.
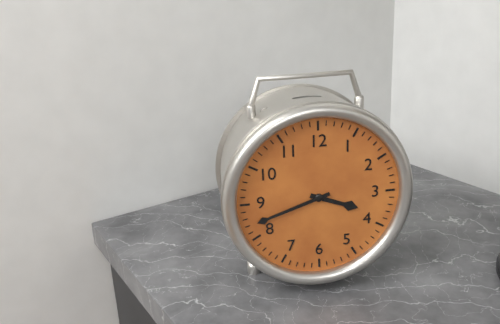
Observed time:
h=3 m=42
